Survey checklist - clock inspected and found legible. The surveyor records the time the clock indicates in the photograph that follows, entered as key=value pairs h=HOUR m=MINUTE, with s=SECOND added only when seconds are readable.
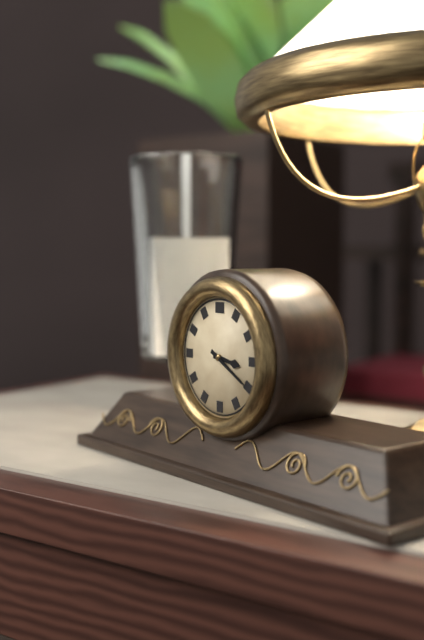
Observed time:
h=3 m=20
